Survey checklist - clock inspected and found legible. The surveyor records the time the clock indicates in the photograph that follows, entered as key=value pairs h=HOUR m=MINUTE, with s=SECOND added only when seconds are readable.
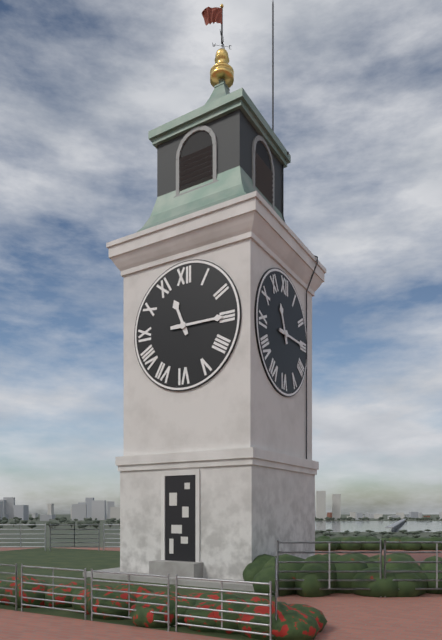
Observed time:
h=11 m=15
